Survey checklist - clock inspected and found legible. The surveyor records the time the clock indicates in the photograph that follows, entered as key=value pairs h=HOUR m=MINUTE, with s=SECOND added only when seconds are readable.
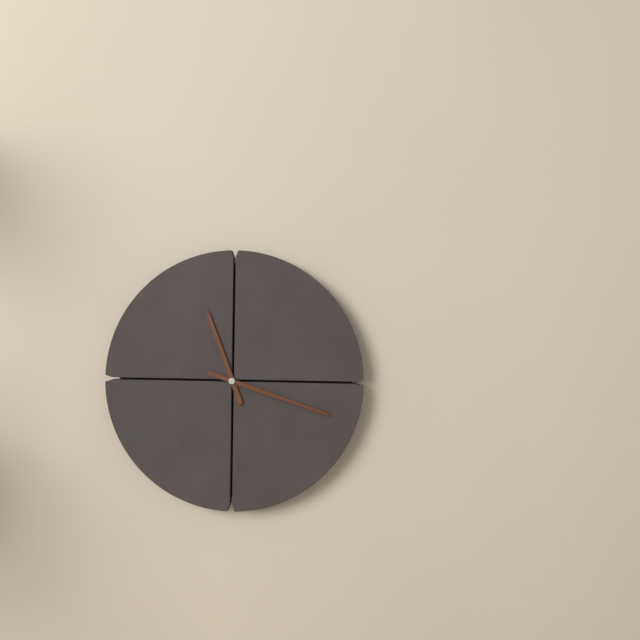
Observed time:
h=11 m=18
